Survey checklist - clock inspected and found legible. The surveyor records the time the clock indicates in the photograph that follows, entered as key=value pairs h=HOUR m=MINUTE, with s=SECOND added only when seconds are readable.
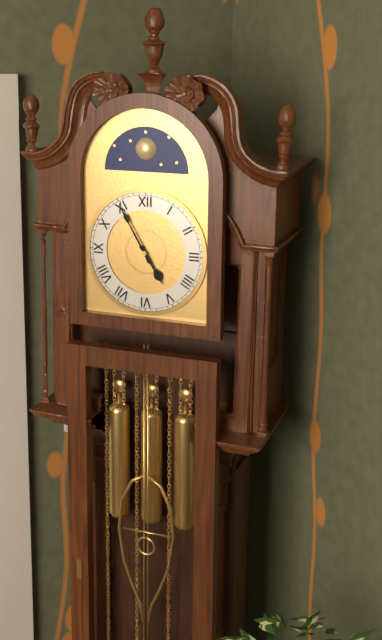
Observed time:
h=4 m=55
